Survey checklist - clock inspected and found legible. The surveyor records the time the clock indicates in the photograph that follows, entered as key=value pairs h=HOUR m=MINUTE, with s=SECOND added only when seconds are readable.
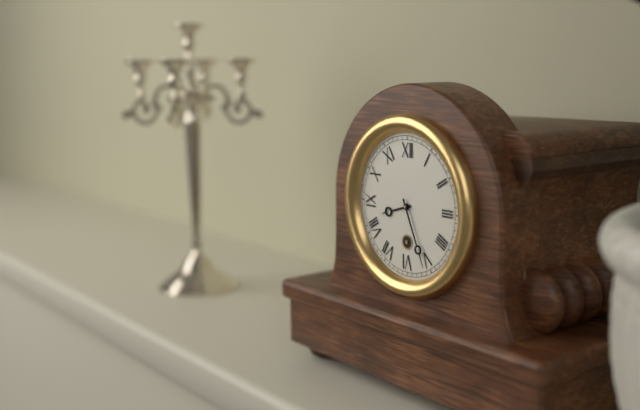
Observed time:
h=8 m=26
